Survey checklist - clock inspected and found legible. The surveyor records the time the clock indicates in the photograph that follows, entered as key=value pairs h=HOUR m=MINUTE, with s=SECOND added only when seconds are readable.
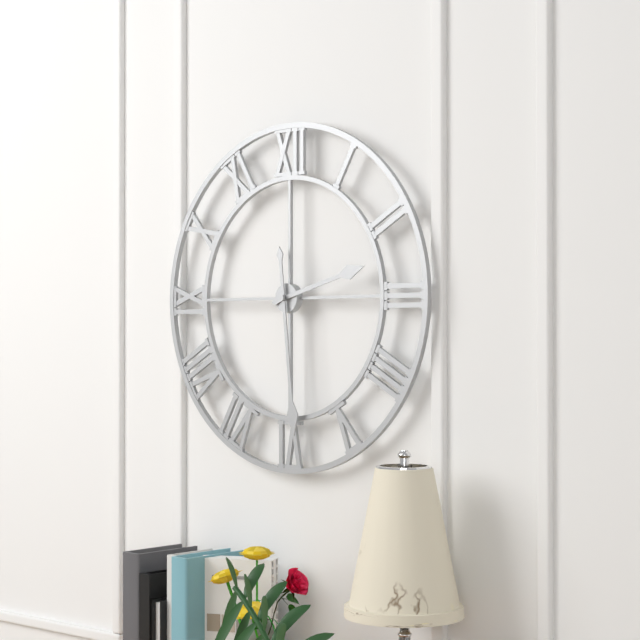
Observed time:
h=2 m=29
